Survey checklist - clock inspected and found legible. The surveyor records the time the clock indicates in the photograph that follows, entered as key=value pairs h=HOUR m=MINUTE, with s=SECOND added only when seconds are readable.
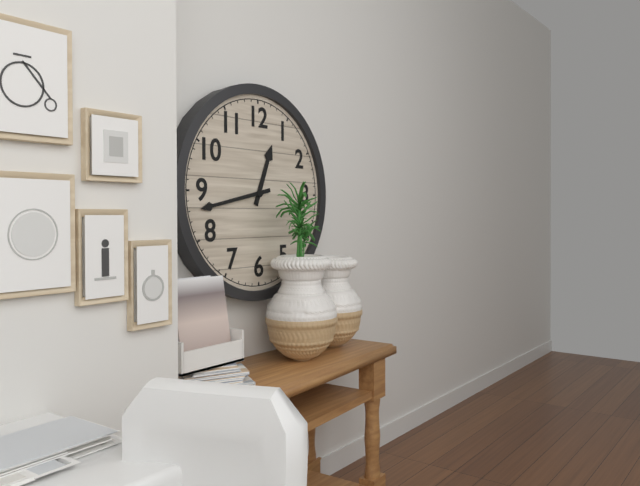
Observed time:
h=12 m=43
